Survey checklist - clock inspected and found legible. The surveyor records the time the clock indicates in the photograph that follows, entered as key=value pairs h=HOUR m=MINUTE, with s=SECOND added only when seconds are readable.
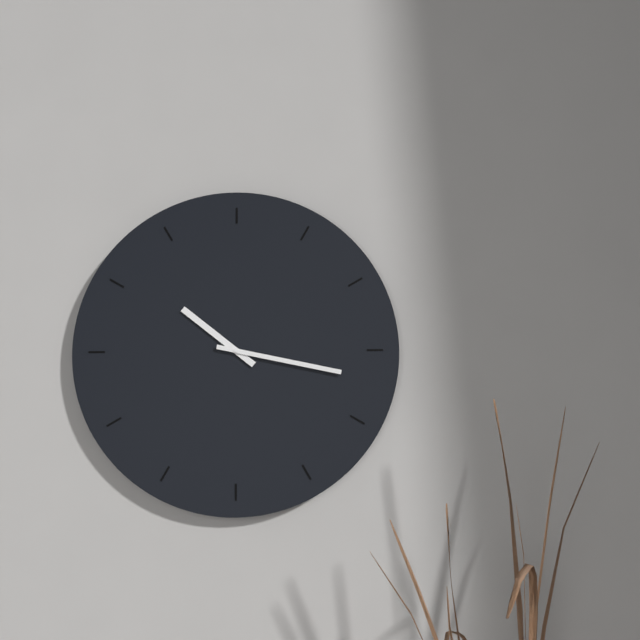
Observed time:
h=10 m=17
